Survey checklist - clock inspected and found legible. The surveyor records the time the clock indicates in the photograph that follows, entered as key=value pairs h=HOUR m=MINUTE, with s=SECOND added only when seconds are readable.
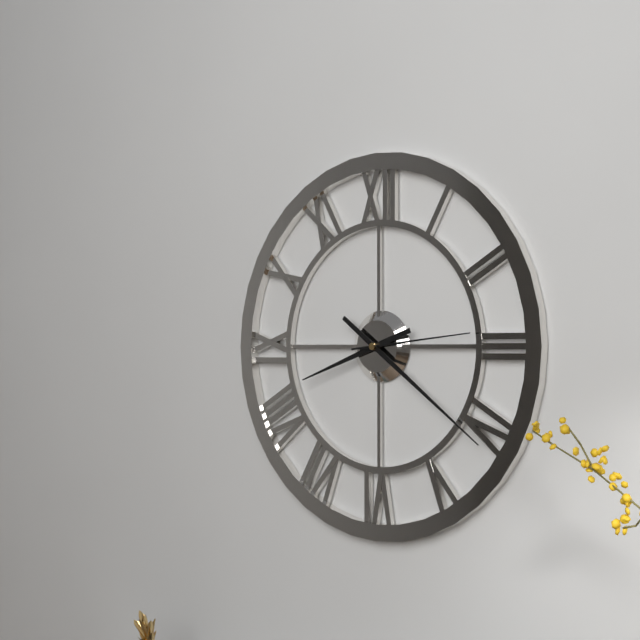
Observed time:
h=8 m=21 s=14
